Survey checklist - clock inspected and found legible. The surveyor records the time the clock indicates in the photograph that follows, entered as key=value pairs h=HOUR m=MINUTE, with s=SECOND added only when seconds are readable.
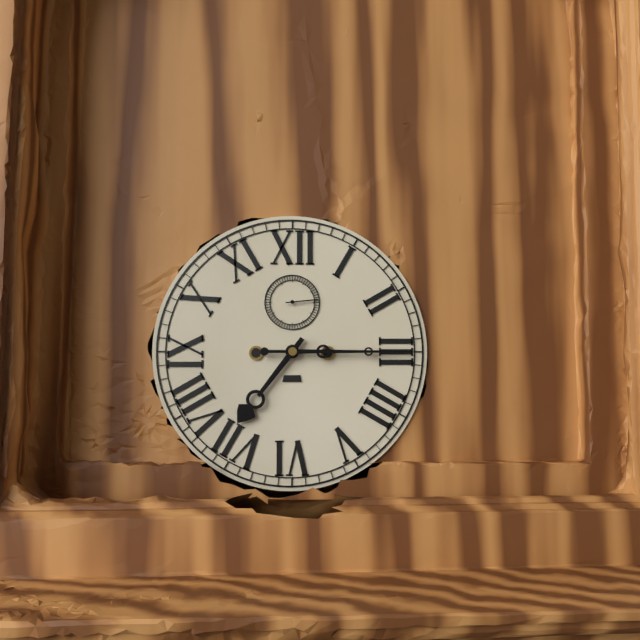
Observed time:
h=7 m=15
